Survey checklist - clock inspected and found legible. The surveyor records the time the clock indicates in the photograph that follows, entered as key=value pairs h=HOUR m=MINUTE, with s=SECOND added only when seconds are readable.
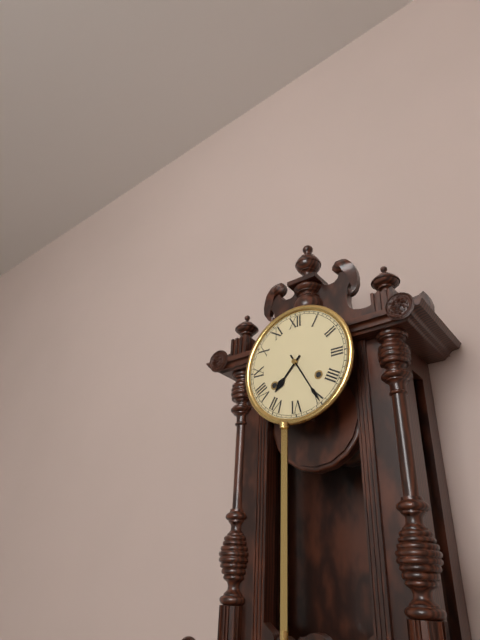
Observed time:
h=7 m=25
